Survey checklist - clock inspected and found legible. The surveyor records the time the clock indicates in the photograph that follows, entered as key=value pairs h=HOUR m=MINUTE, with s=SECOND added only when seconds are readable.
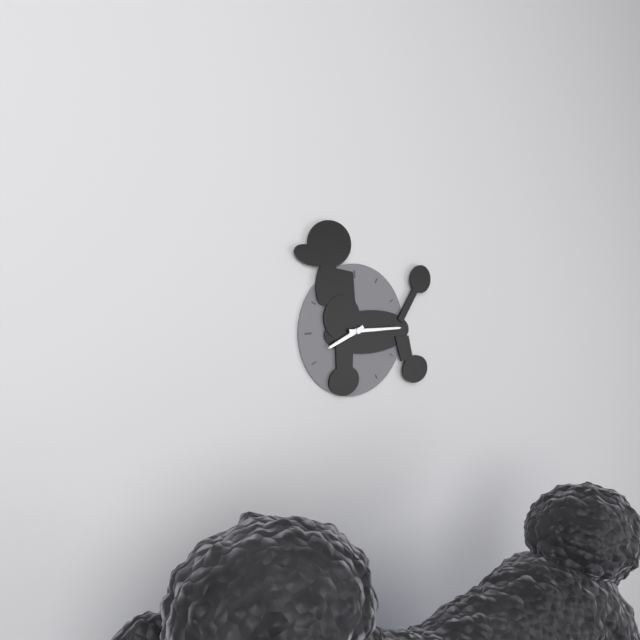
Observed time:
h=8 m=15
